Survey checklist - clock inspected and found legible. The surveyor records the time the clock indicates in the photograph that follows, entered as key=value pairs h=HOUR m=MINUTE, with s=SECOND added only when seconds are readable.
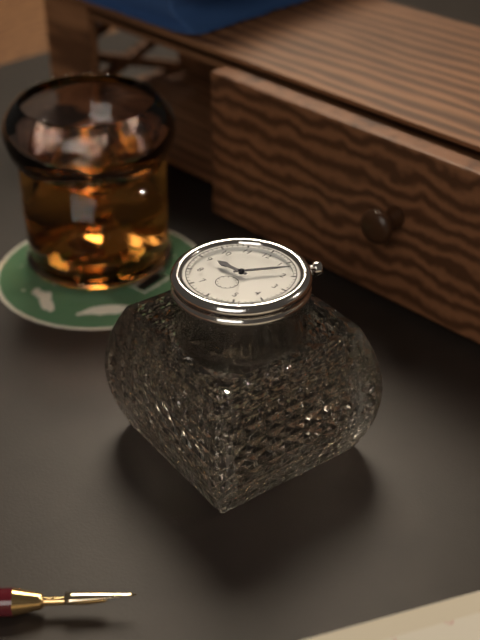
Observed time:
h=9 m=7
